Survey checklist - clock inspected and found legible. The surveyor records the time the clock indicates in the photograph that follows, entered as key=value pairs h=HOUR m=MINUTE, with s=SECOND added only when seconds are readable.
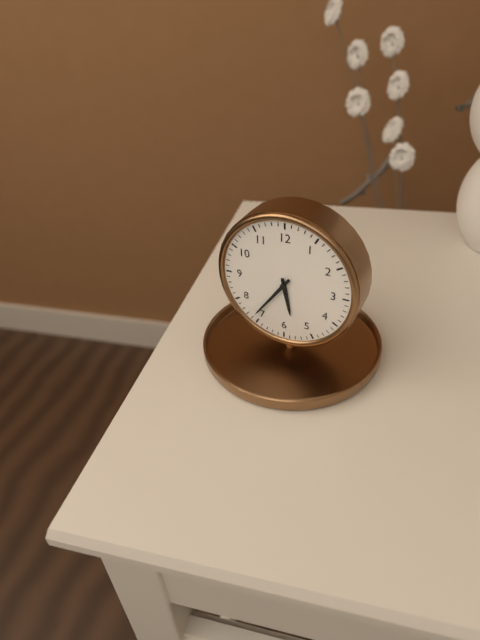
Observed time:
h=5 m=36
